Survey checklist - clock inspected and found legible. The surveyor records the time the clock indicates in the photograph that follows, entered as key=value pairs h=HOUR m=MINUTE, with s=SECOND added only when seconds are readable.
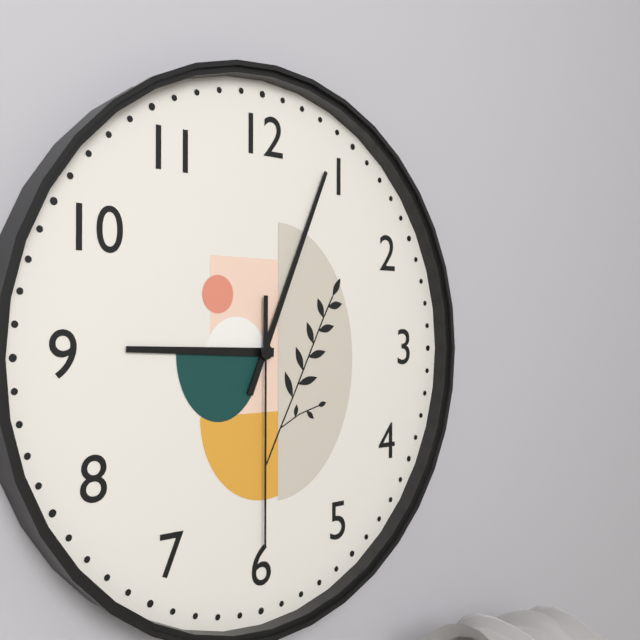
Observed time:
h=9 m=4 s=30
